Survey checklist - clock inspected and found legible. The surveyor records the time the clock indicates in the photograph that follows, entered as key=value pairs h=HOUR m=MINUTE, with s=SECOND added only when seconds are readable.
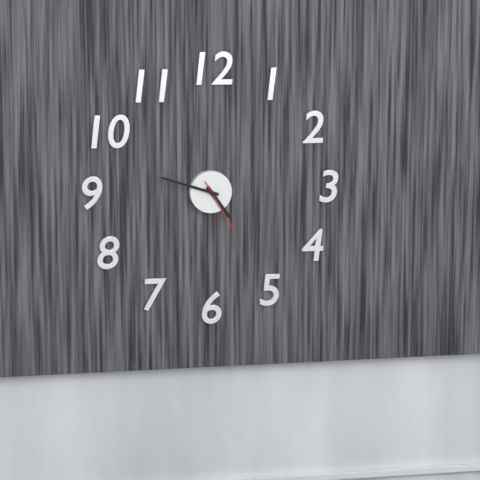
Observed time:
h=4 m=48 s=25
